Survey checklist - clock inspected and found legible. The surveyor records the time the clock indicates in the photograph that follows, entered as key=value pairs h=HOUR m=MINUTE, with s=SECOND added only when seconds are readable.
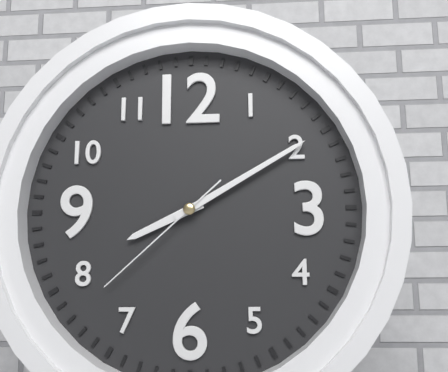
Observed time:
h=8 m=10 s=38
